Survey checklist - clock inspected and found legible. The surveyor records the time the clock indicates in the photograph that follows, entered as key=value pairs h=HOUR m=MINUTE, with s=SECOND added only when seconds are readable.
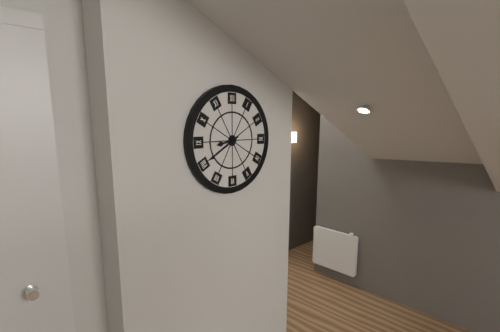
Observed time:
h=8 m=40
